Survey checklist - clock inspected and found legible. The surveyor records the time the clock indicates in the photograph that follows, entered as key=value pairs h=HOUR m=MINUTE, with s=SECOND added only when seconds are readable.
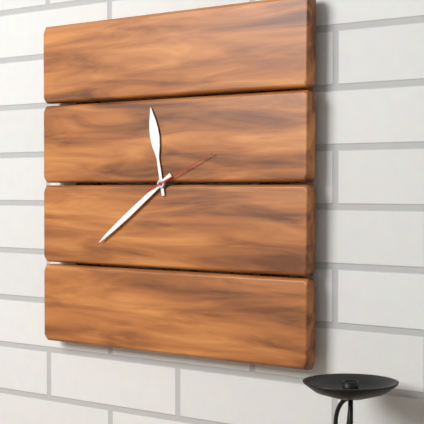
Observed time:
h=11 m=39 s=11
